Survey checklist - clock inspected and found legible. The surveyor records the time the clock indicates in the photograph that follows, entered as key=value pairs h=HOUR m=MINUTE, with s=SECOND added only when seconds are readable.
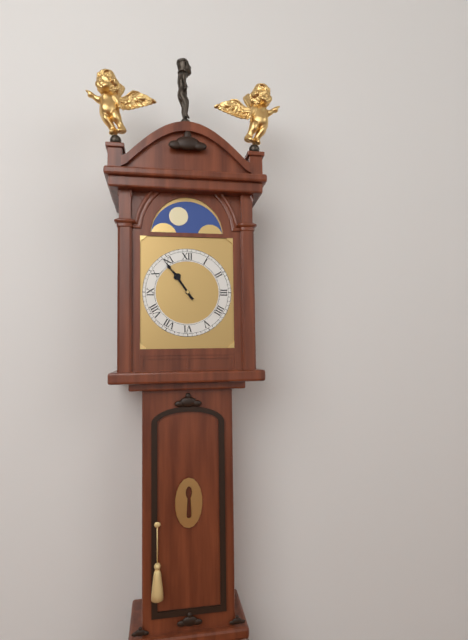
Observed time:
h=10 m=54
